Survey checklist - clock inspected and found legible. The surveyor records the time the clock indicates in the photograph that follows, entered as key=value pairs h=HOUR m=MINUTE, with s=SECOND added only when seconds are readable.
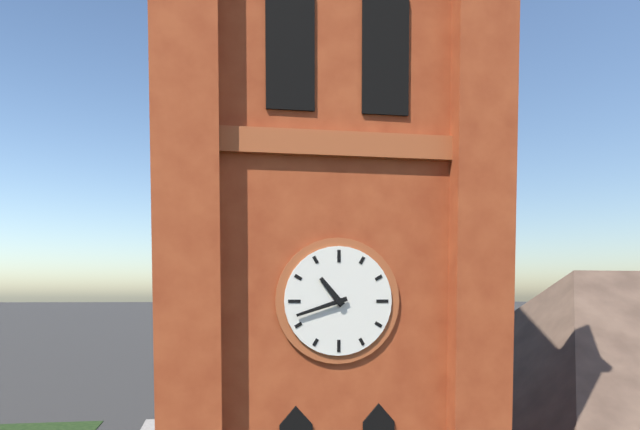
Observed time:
h=10 m=42
